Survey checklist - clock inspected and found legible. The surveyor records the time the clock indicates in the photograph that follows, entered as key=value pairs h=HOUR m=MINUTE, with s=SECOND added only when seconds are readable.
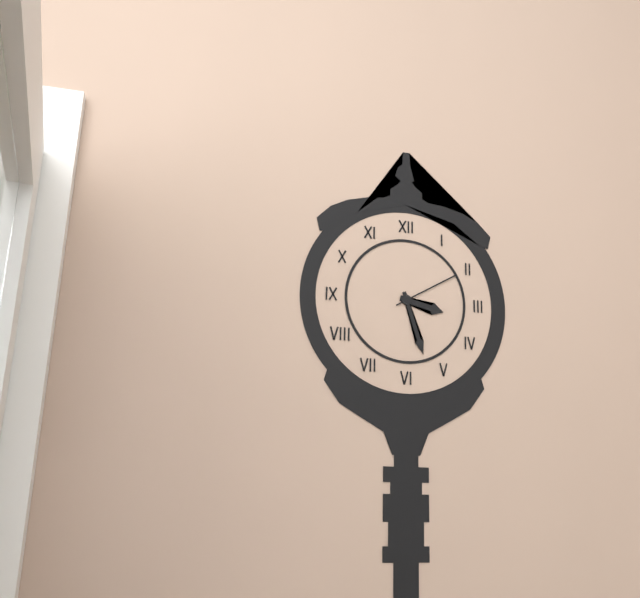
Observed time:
h=3 m=27 s=10
